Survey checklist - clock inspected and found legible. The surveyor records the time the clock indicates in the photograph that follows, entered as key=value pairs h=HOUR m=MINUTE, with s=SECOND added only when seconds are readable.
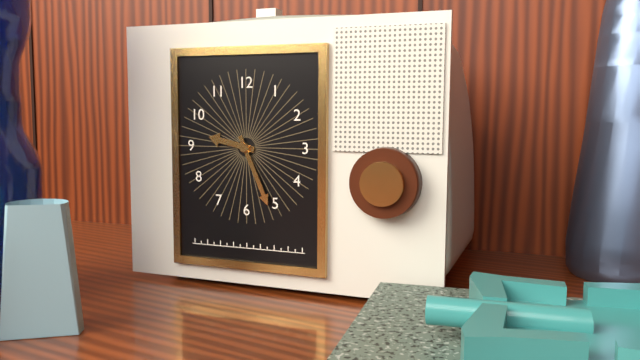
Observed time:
h=9 m=26
